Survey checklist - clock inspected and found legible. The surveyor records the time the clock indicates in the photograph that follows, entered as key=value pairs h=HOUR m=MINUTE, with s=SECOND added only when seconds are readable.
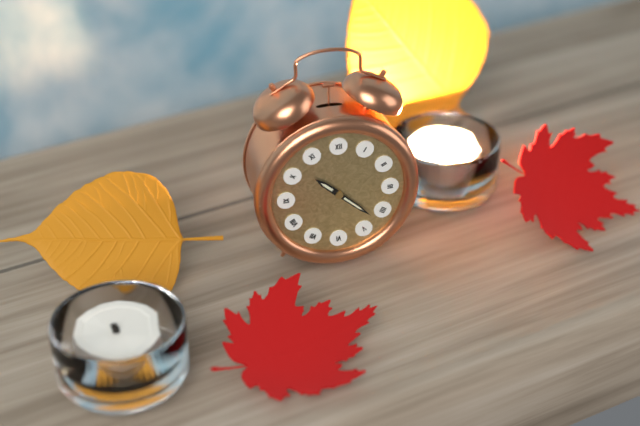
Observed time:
h=10 m=22
